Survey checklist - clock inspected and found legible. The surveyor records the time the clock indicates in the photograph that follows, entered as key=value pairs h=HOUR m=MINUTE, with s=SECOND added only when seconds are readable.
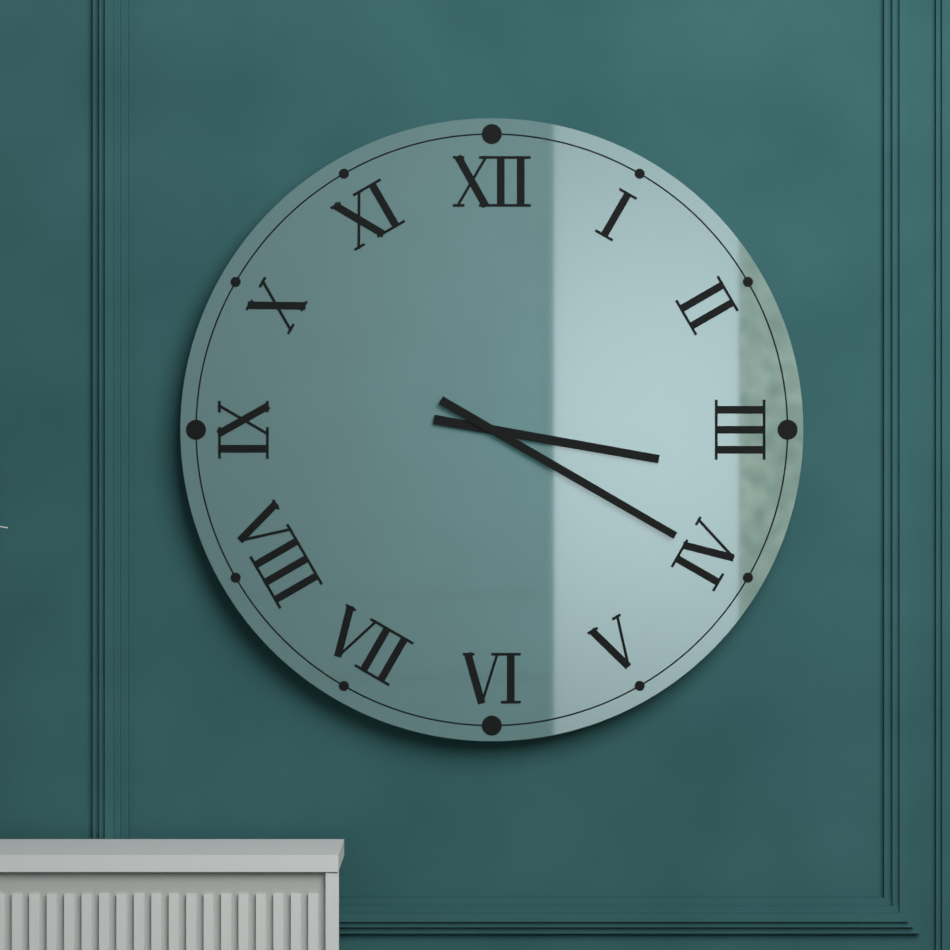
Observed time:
h=3 m=20
